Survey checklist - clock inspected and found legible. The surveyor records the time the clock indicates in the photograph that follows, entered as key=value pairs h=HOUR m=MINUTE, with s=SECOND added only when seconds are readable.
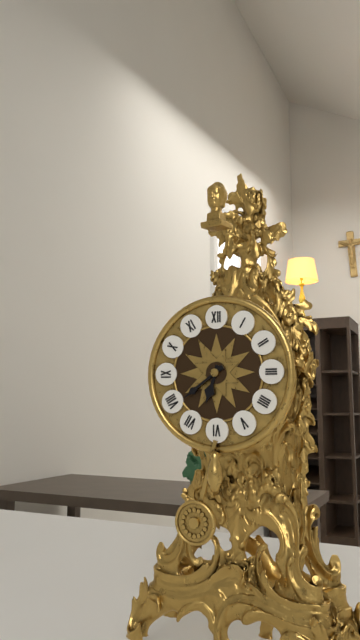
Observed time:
h=6 m=39
